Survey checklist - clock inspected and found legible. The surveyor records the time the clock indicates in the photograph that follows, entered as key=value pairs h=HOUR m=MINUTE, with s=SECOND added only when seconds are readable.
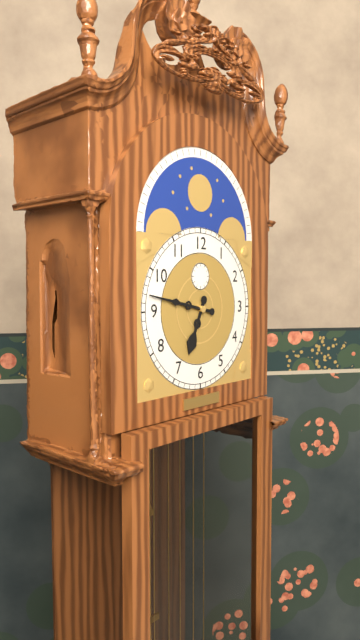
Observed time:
h=6 m=47
